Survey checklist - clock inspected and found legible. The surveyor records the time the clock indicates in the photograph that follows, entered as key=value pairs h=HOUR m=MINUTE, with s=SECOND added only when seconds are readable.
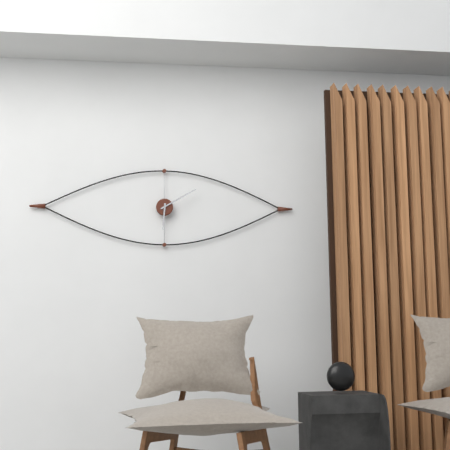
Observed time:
h=6 m=10
